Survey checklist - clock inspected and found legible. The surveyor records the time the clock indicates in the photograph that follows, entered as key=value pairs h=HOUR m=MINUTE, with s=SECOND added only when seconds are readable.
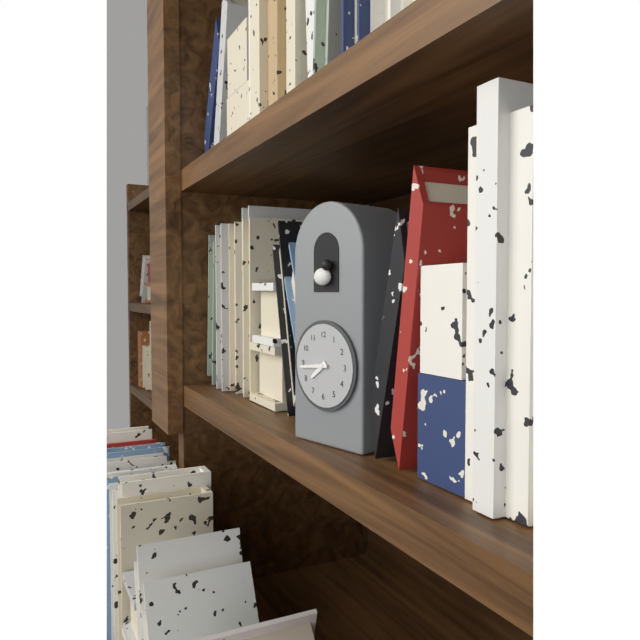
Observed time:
h=7 m=44
